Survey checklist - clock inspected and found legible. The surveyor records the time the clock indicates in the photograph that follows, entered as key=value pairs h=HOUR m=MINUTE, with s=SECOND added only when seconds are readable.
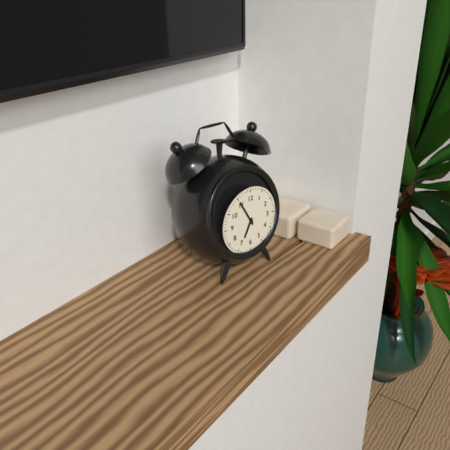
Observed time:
h=6 m=55
